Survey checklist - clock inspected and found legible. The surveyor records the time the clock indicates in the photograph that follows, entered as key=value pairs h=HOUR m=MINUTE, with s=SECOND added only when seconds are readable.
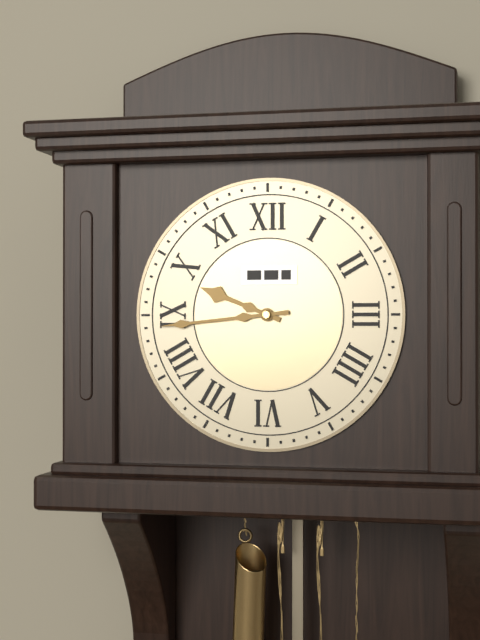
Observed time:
h=9 m=44
